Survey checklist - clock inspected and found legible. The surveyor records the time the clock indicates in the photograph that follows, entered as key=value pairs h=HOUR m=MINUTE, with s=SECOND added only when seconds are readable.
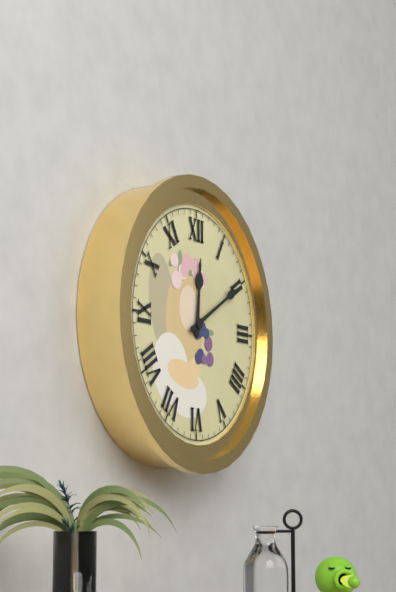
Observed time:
h=12 m=10
